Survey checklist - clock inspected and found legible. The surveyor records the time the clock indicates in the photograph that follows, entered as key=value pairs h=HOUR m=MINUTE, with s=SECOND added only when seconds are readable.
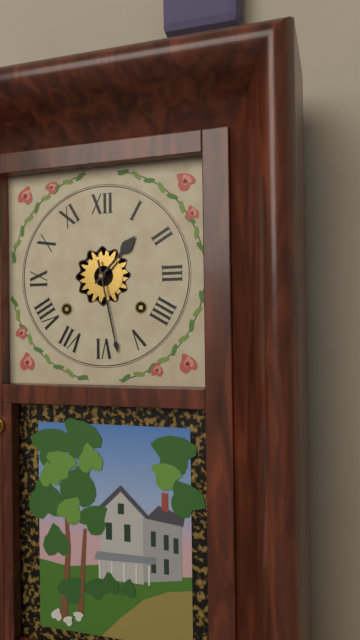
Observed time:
h=1 m=28
